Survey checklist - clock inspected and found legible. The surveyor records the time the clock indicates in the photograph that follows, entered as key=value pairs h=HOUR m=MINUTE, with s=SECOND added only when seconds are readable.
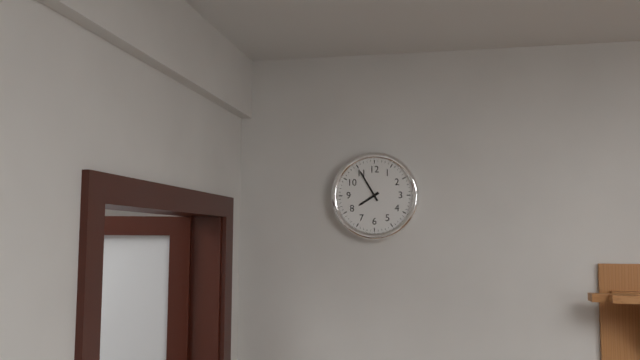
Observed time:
h=7 m=55
